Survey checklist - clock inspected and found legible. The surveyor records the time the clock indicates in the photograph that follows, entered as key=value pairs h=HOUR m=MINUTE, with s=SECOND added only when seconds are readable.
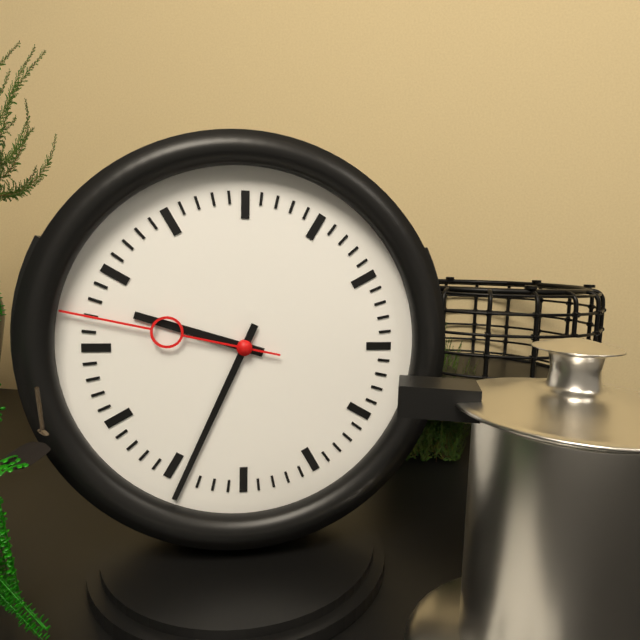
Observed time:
h=9 m=34 s=47
